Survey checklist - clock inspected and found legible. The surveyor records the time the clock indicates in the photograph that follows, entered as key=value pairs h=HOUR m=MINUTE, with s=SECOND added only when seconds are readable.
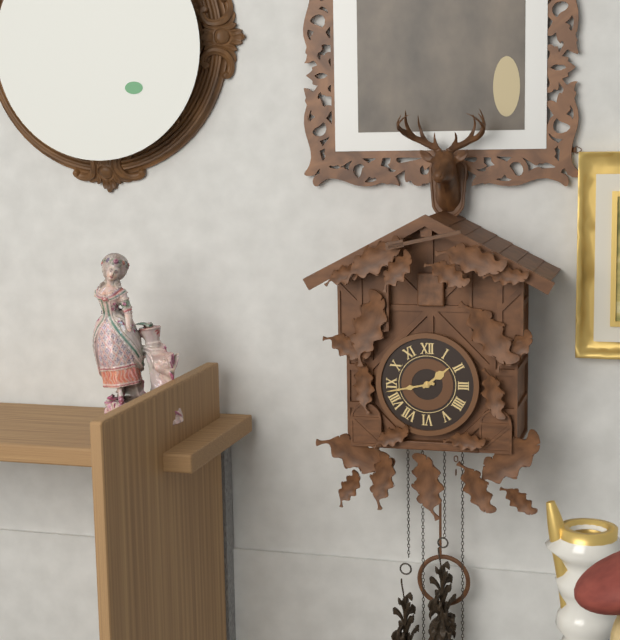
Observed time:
h=1 m=43
